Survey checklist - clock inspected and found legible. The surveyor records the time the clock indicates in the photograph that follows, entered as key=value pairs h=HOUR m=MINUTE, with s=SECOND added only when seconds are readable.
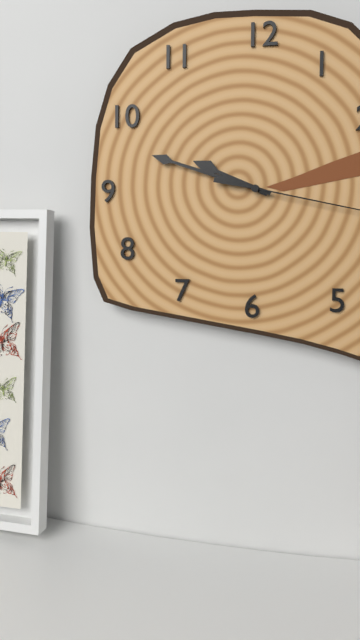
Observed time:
h=9 m=48
